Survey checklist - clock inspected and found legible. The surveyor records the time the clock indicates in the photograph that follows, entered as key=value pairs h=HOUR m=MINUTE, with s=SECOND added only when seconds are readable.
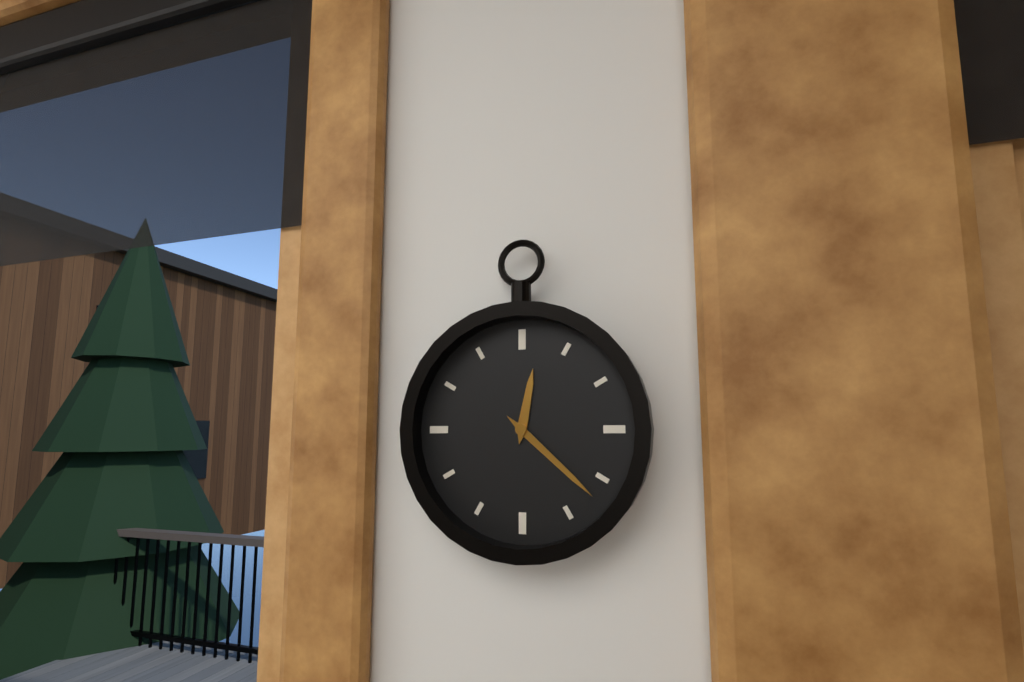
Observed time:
h=12 m=22
